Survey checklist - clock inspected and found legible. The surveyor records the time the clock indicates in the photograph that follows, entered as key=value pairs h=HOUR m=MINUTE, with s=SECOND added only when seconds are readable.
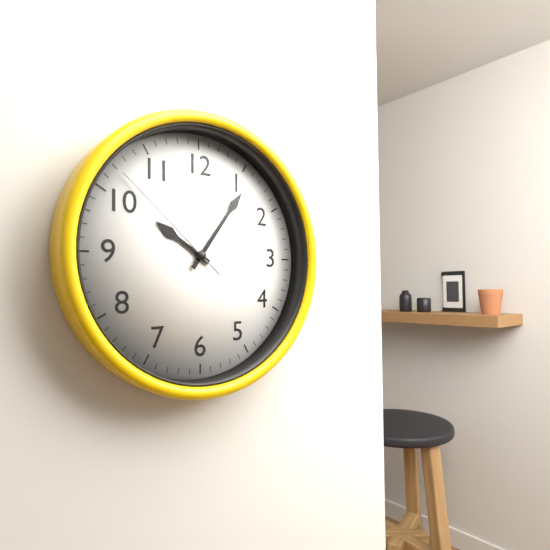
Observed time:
h=10 m=6 s=52
